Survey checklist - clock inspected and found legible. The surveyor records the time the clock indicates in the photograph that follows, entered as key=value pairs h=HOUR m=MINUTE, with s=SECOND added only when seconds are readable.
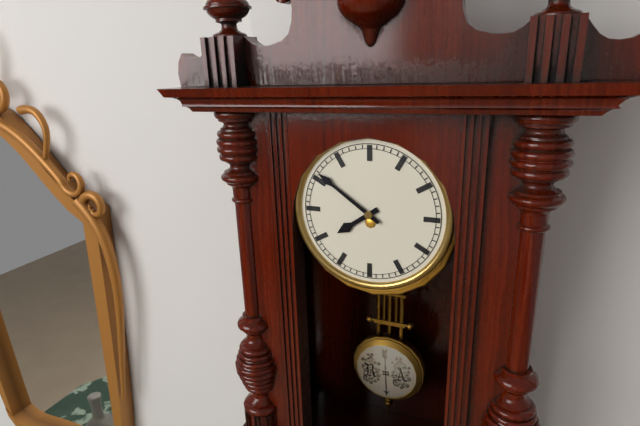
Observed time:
h=7 m=51
